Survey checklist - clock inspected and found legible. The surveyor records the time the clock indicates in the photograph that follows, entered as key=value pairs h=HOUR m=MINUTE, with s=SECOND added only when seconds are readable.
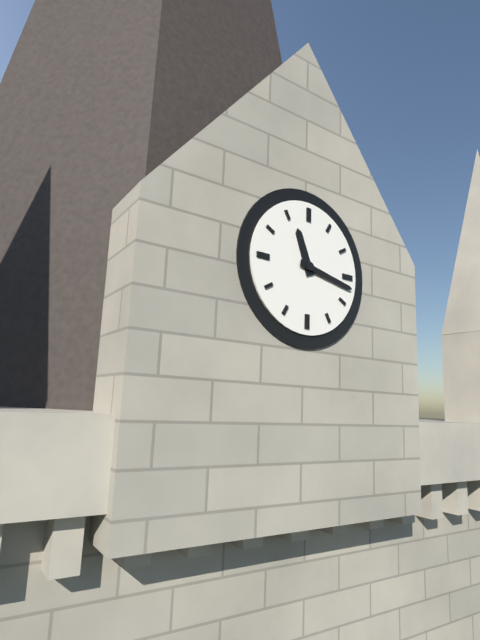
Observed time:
h=11 m=17
